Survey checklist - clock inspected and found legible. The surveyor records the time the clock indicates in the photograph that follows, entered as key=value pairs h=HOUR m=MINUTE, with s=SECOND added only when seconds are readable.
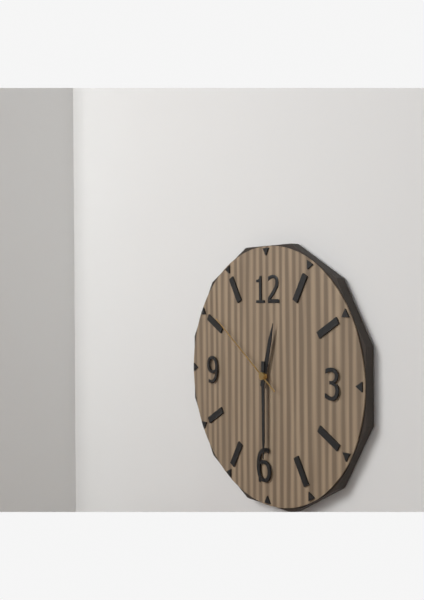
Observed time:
h=12 m=30 s=51
